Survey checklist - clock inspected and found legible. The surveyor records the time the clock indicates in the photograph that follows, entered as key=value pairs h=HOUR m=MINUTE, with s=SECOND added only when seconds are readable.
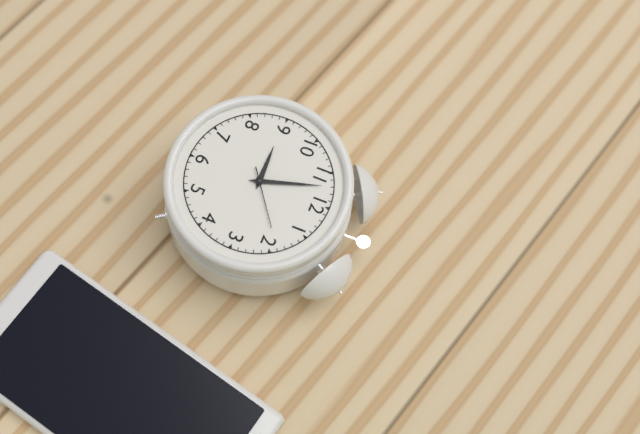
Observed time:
h=8 m=57 s=9
